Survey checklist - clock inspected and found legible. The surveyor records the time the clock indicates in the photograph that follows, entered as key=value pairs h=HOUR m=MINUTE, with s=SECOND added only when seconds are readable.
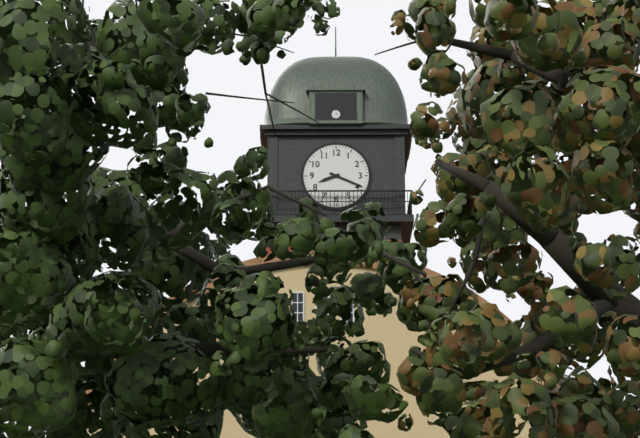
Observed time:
h=8 m=19
